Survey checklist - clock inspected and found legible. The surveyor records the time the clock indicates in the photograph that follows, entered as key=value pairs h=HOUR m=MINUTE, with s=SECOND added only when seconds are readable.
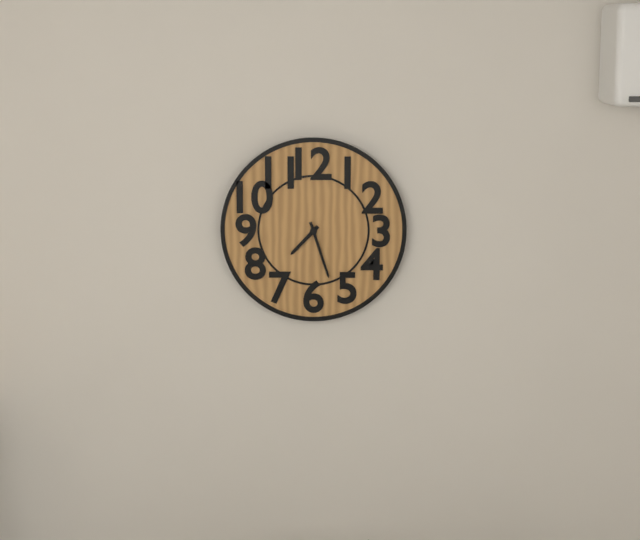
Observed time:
h=7 m=27
